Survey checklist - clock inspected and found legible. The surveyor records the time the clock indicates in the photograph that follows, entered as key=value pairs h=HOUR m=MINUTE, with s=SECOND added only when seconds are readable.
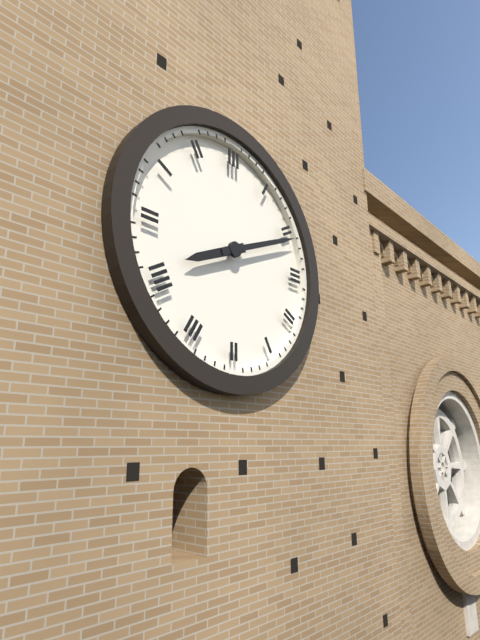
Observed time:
h=8 m=11
